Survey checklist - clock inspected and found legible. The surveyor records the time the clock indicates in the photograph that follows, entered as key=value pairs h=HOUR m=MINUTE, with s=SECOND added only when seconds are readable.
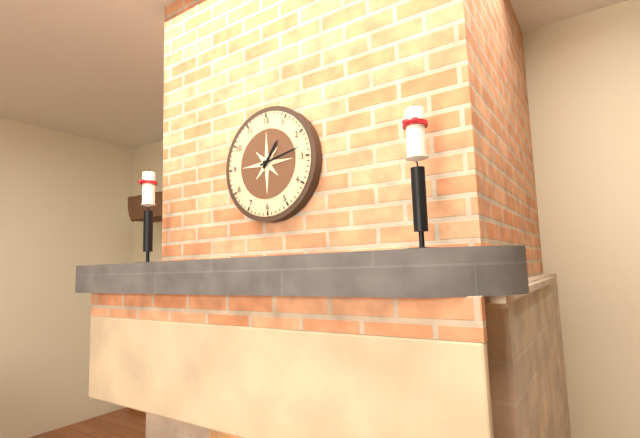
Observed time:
h=1 m=13
